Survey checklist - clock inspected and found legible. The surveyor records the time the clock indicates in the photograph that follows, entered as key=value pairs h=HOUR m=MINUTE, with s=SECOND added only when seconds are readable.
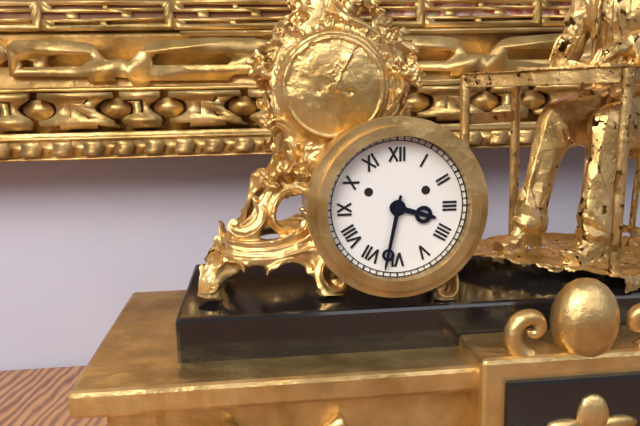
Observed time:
h=3 m=32
